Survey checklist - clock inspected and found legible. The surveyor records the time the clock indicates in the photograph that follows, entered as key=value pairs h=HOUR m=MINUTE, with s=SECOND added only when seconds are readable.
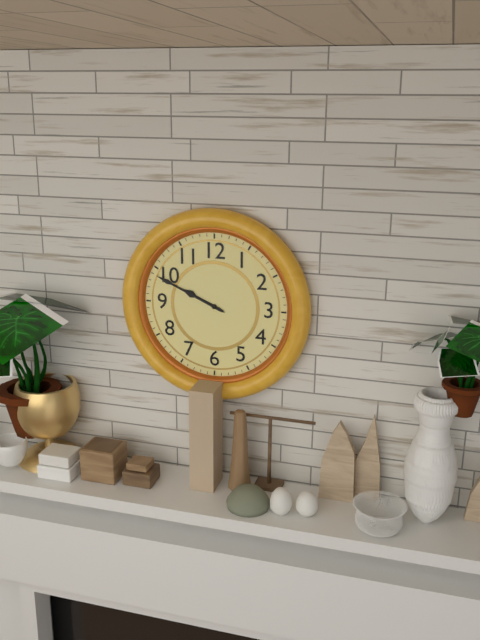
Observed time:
h=9 m=49
